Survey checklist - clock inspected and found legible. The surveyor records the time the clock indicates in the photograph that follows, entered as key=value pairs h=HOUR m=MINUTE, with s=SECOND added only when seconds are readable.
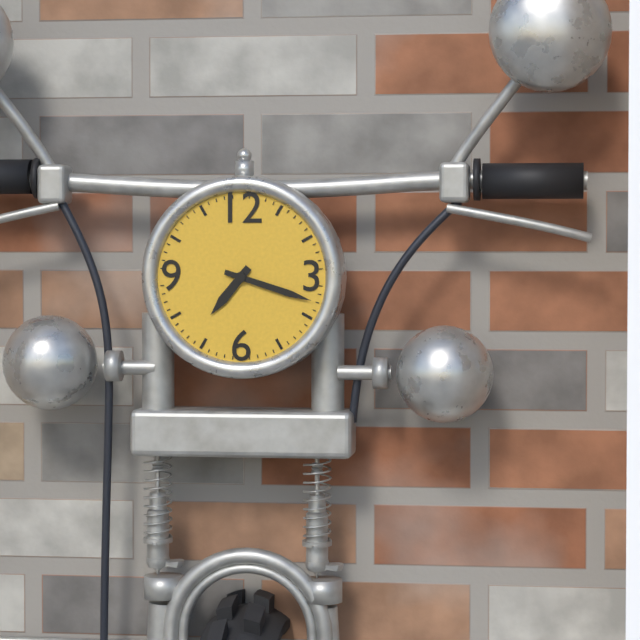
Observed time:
h=7 m=18
